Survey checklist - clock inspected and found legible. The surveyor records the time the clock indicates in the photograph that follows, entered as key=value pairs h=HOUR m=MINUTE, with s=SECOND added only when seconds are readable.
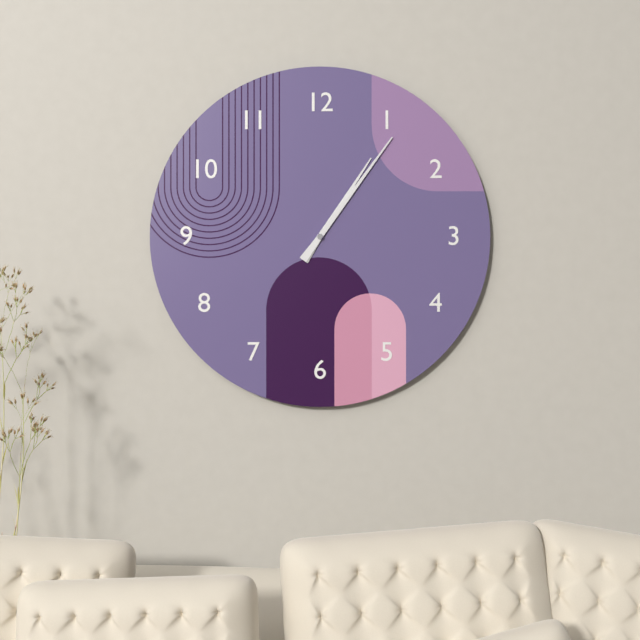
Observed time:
h=1 m=6
